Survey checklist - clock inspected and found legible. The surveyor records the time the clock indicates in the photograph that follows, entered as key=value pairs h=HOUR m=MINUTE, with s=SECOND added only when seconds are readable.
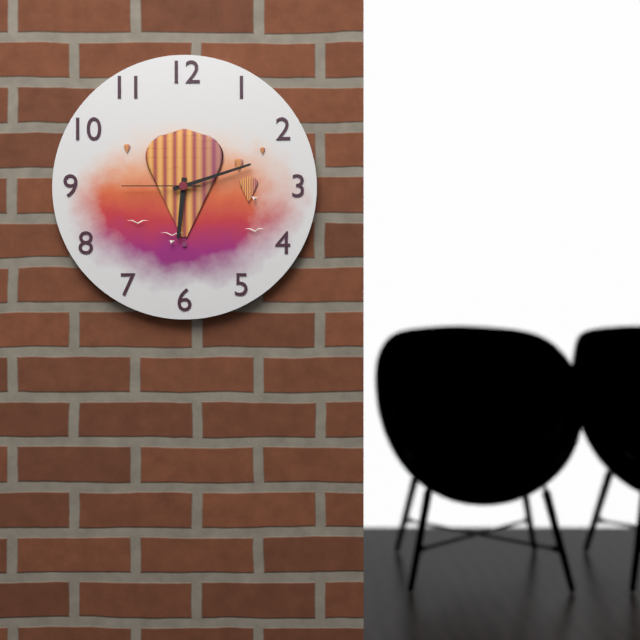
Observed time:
h=6 m=12 s=45
